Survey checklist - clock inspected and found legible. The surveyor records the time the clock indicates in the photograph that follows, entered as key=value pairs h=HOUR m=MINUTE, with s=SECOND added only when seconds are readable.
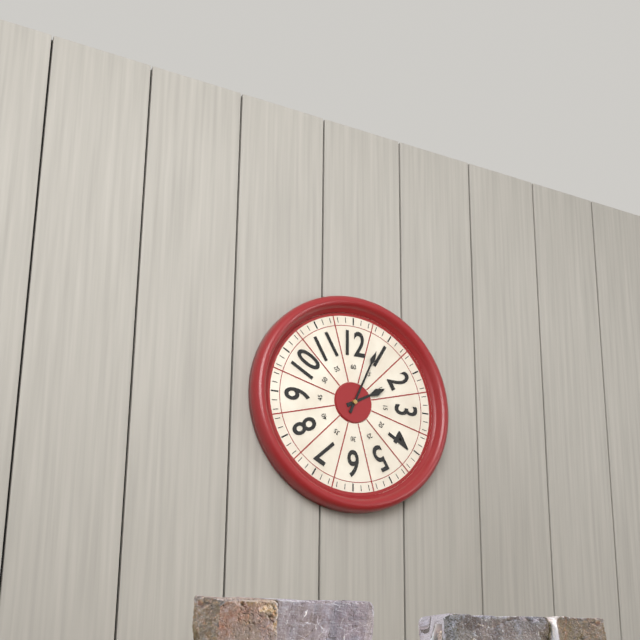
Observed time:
h=2 m=4
